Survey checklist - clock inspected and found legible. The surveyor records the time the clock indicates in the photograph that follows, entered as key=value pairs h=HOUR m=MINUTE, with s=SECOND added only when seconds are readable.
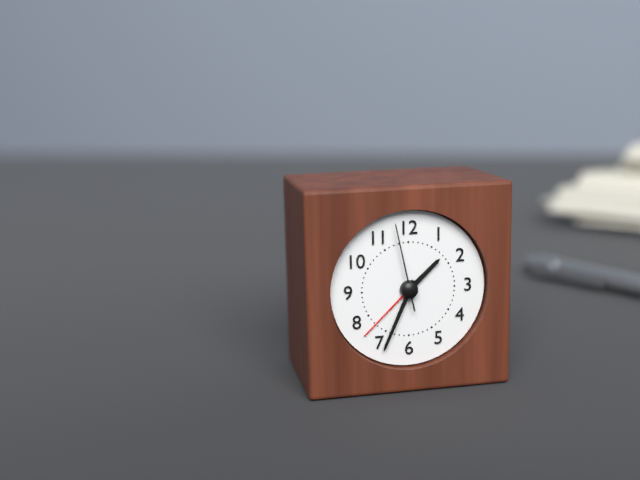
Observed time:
h=1 m=34 s=58
